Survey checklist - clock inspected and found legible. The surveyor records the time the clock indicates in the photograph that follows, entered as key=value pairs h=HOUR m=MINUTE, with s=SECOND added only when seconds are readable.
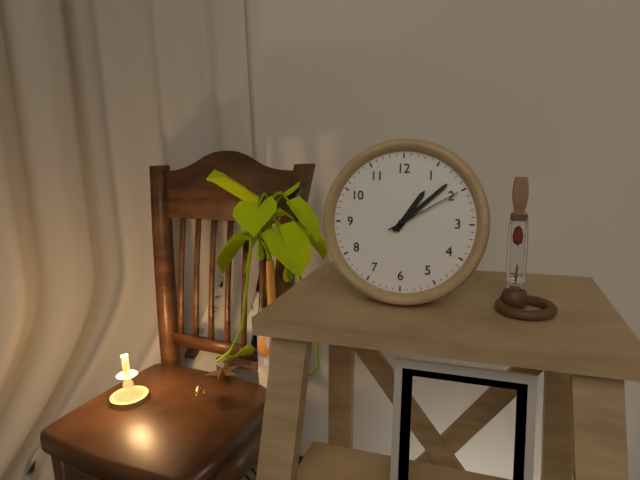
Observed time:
h=1 m=8 s=10
